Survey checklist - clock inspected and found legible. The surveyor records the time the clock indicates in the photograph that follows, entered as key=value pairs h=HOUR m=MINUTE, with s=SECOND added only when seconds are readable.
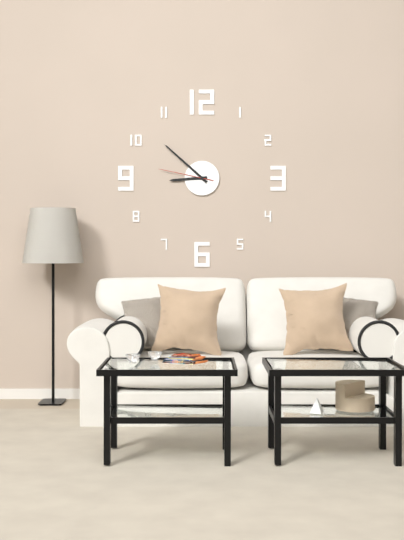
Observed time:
h=8 m=52 s=47
